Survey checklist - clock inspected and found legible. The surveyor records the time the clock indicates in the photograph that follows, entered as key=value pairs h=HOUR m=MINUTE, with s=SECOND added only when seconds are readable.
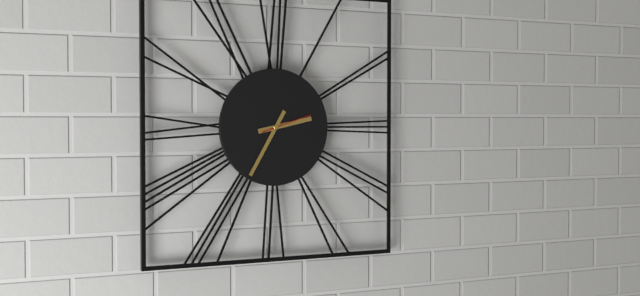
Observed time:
h=2 m=35
